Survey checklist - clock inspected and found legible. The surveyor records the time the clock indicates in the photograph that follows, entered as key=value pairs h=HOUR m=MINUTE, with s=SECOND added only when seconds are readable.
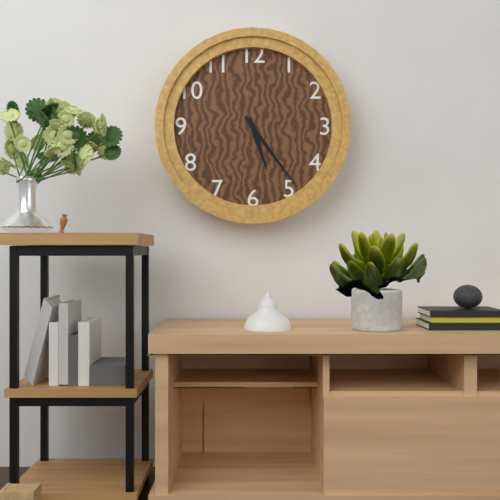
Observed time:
h=5 m=24
